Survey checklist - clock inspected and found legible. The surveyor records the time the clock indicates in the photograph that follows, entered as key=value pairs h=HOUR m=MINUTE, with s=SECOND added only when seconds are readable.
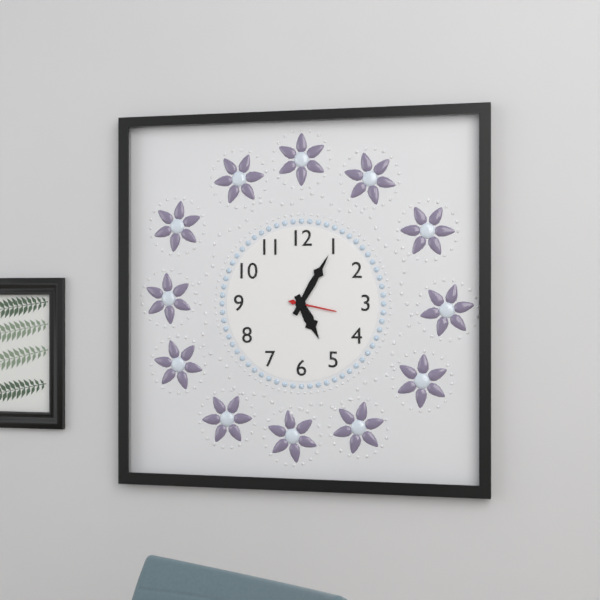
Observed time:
h=5 m=5
